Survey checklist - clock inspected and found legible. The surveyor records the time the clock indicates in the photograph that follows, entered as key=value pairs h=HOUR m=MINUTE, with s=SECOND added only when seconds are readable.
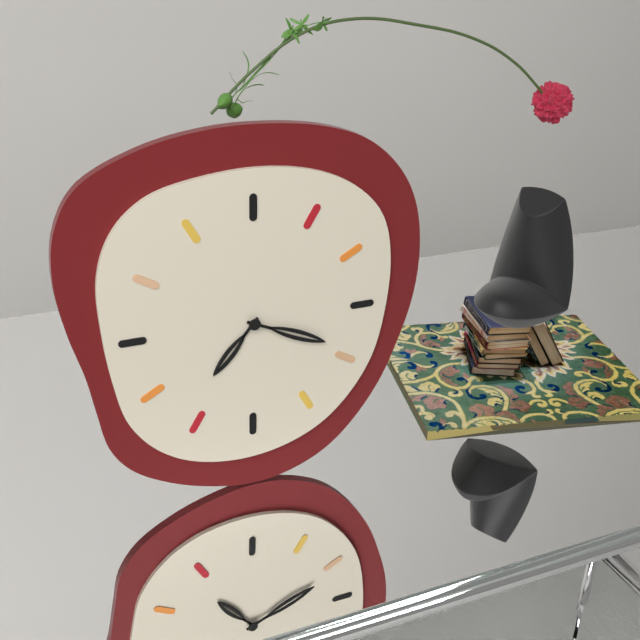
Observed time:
h=7 m=19
